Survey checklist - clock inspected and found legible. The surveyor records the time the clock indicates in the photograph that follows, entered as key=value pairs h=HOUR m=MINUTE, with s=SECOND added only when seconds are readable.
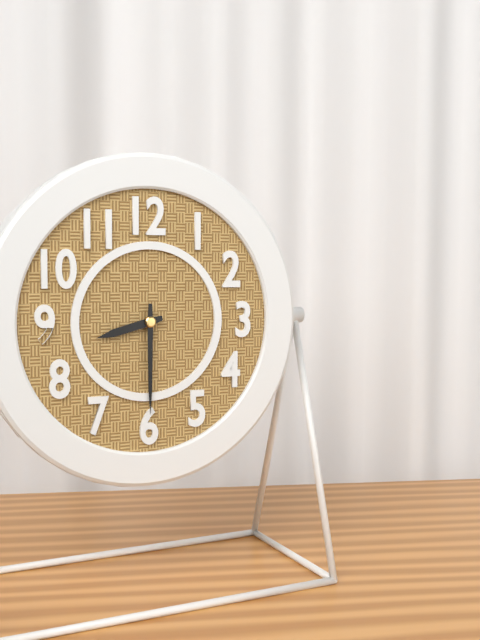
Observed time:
h=8 m=30
